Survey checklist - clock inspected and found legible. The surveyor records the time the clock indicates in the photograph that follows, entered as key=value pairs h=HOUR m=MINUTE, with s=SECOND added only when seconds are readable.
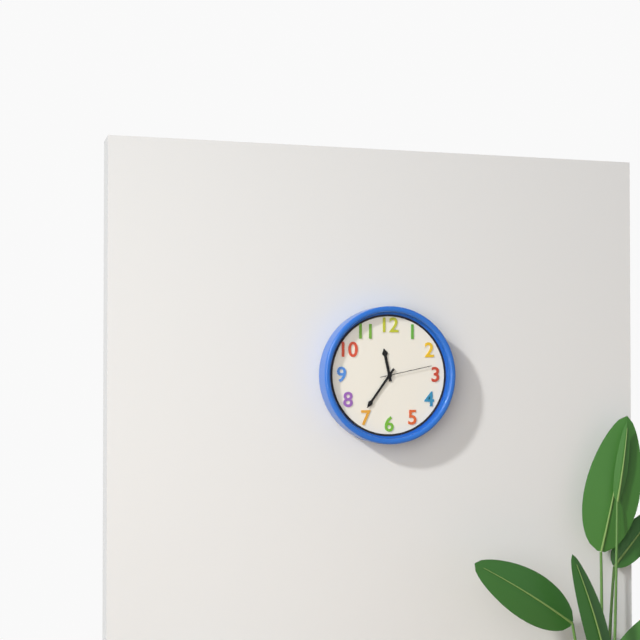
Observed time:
h=11 m=36 s=13
